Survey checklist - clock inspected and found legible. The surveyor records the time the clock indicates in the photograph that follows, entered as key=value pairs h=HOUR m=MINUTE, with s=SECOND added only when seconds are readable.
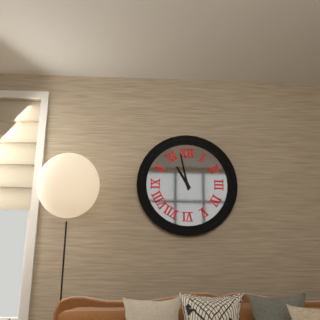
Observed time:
h=10 m=58
